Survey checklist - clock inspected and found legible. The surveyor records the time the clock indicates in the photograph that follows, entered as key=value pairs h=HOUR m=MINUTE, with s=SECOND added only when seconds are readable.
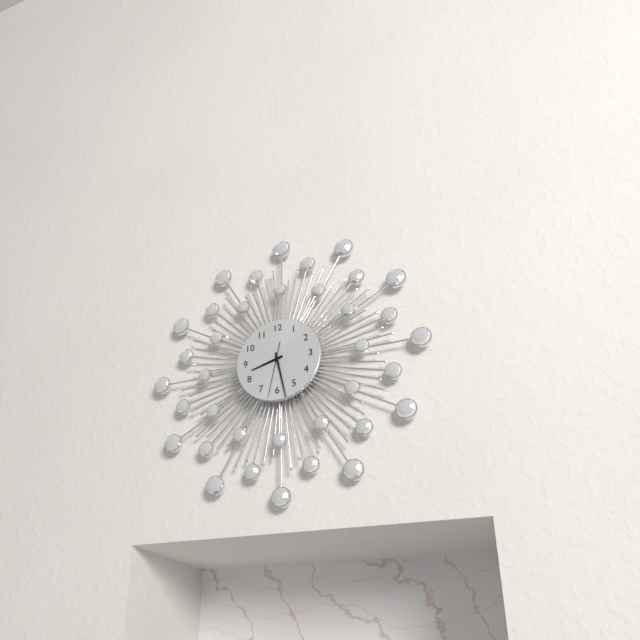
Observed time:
h=8 m=28 s=32
